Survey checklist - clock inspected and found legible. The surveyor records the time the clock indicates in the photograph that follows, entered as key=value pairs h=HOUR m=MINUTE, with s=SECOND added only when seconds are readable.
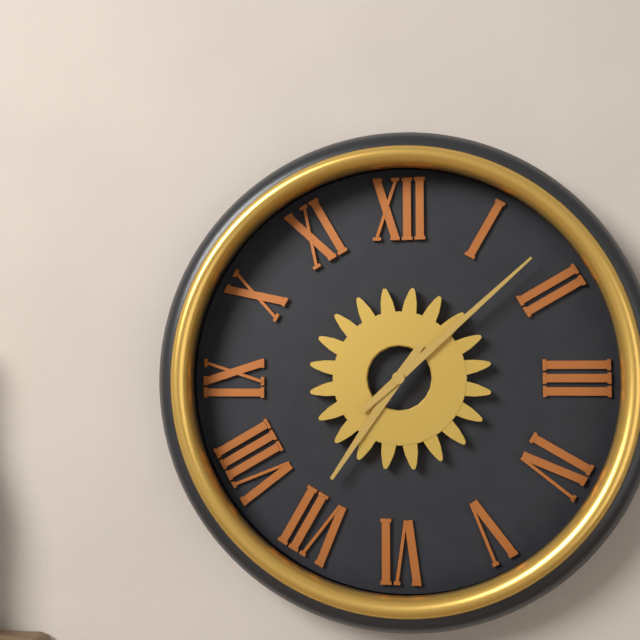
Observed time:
h=7 m=8
